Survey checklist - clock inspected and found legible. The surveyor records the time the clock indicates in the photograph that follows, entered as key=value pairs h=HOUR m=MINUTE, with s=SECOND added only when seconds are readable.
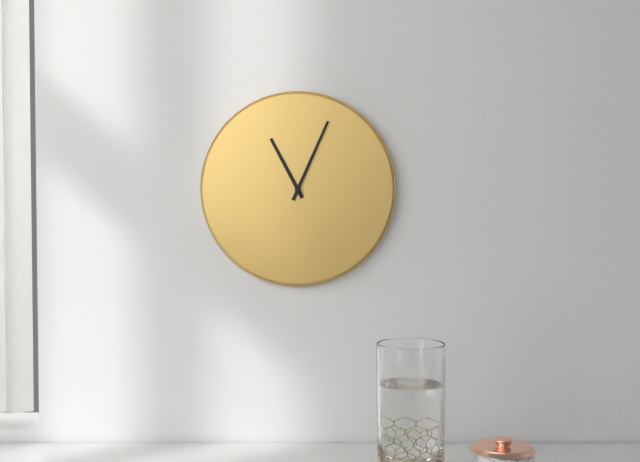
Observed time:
h=11 m=4
